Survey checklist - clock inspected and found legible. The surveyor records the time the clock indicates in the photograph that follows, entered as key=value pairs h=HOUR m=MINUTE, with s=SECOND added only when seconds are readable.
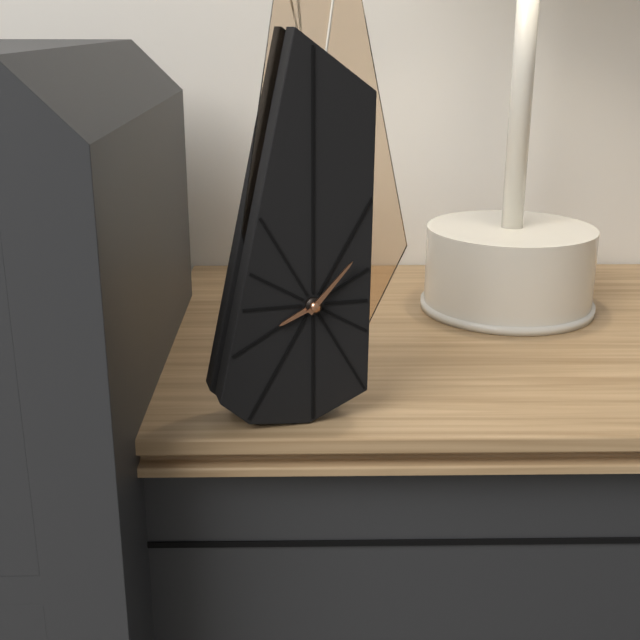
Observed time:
h=8 m=7
